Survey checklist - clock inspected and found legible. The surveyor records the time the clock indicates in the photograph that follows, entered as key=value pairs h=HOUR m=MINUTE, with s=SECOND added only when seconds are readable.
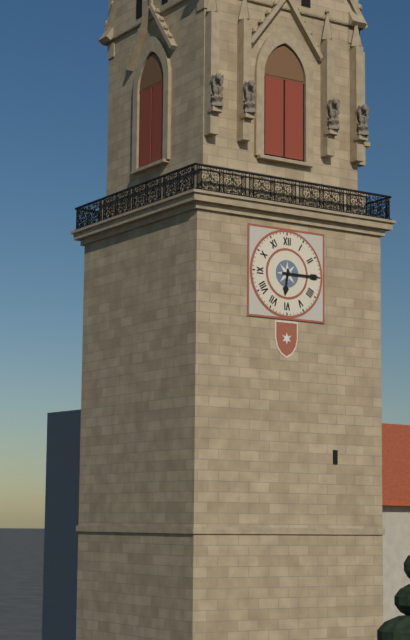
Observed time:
h=6 m=15
